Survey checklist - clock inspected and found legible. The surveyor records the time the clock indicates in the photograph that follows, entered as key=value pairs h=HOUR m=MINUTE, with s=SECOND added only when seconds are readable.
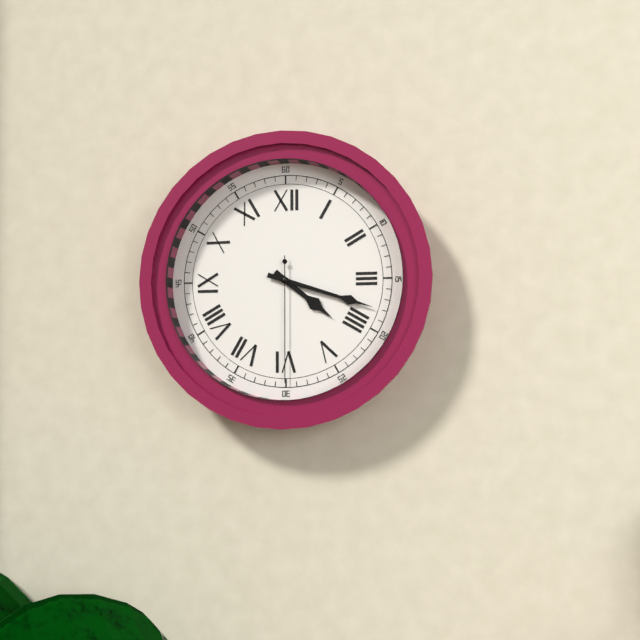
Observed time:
h=4 m=18 s=30
